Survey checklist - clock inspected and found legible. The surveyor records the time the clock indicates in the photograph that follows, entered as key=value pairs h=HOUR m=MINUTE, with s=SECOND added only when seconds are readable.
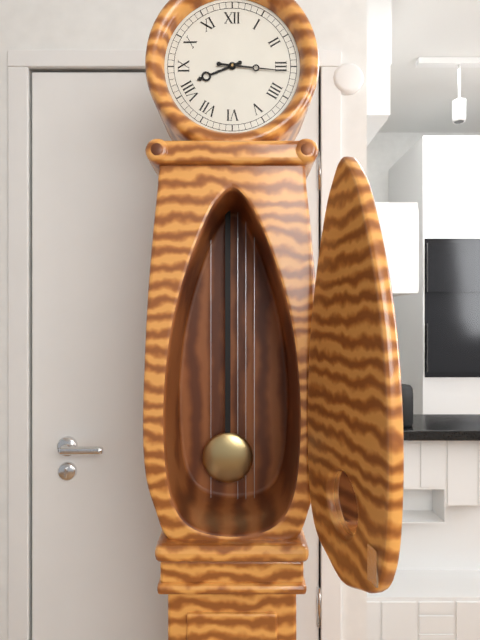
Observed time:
h=8 m=16
